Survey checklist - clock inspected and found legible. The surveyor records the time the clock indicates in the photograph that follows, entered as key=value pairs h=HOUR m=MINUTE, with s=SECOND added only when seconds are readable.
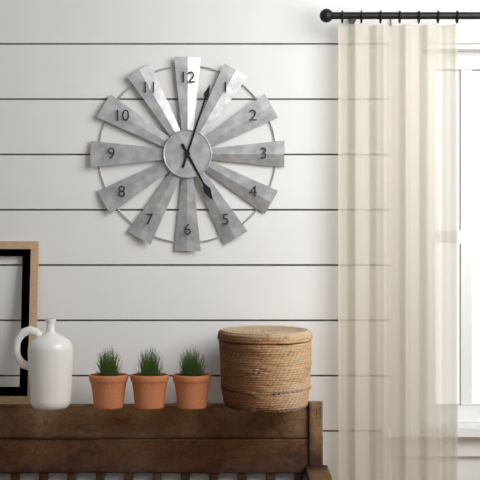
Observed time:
h=5 m=3
